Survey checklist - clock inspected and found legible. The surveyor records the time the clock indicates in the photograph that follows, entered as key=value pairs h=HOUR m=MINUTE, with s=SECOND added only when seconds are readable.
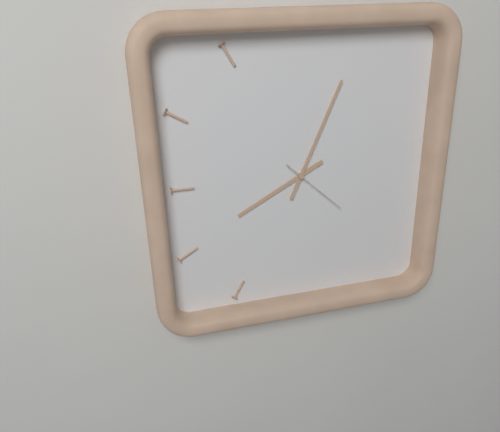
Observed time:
h=8 m=4 s=22
